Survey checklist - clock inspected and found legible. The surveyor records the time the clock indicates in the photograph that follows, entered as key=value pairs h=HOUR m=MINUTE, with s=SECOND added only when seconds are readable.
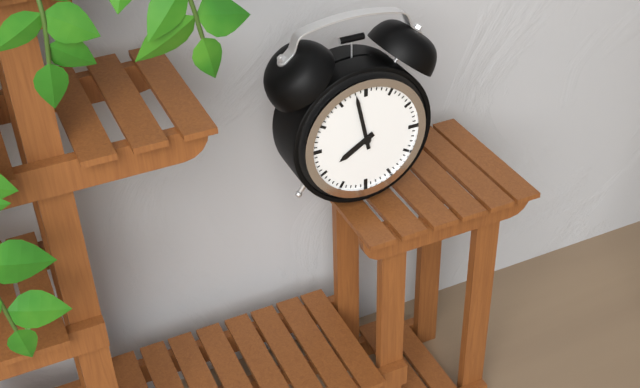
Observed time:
h=7 m=58
